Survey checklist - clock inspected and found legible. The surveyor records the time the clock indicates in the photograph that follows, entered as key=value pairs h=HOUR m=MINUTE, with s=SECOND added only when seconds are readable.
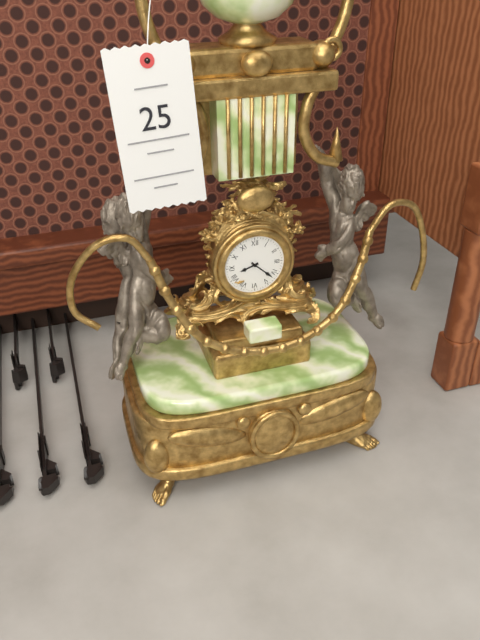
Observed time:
h=8 m=22
